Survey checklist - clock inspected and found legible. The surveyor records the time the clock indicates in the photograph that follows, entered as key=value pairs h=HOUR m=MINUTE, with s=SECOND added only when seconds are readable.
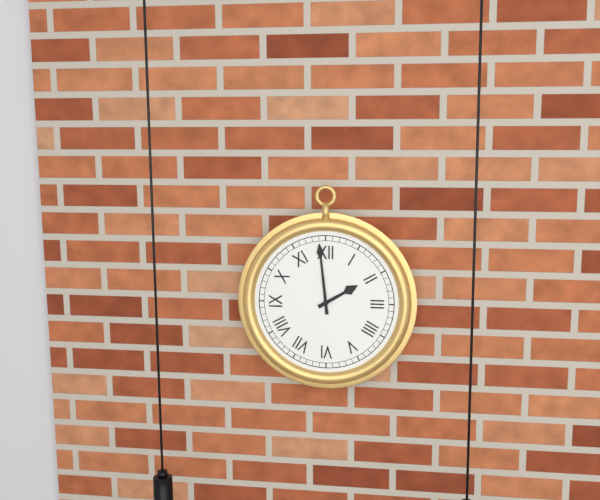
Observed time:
h=1 m=59
